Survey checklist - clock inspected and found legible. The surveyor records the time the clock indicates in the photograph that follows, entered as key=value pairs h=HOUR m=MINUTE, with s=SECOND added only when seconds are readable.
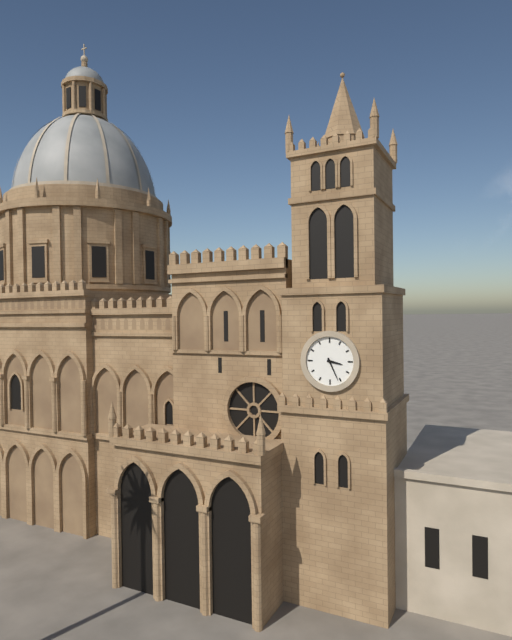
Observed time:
h=3 m=26
